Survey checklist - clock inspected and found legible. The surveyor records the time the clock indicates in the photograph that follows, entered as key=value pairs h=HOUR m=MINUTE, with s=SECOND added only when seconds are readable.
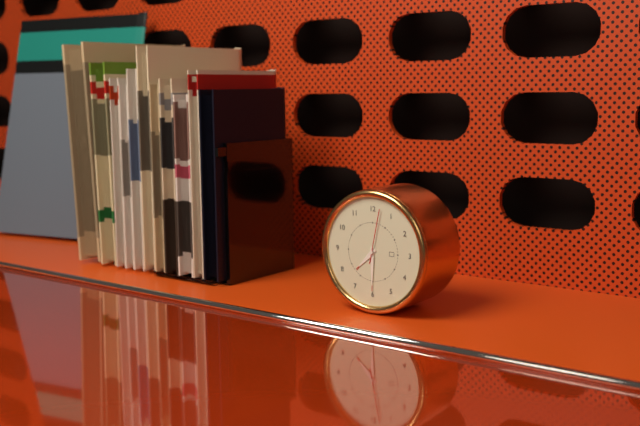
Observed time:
h=7 m=30 s=2
